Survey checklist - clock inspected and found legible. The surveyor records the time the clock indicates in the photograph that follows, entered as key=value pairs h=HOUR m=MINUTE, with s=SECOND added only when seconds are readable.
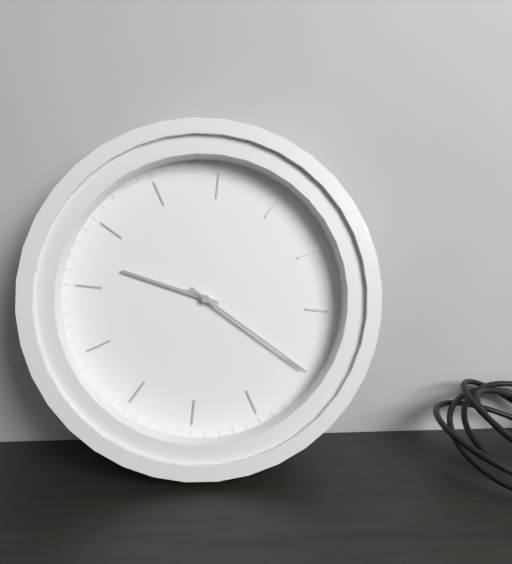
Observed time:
h=10 m=25
